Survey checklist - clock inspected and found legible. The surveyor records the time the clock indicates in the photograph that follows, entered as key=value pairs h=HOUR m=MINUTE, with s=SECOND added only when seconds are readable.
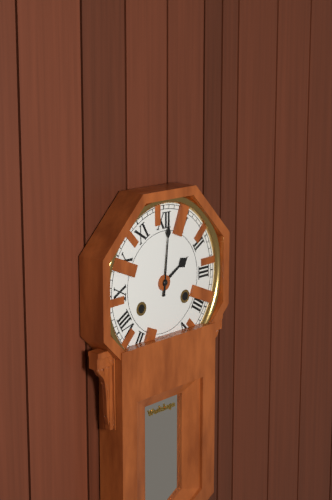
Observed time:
h=2 m=1
